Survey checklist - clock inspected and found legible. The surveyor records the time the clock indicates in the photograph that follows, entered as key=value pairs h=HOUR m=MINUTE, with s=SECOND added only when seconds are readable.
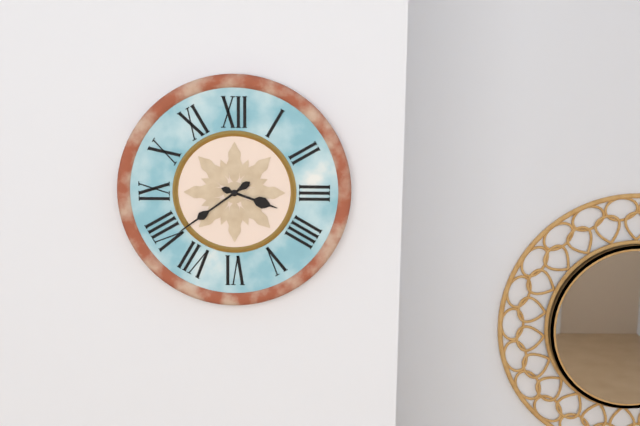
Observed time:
h=3 m=39
